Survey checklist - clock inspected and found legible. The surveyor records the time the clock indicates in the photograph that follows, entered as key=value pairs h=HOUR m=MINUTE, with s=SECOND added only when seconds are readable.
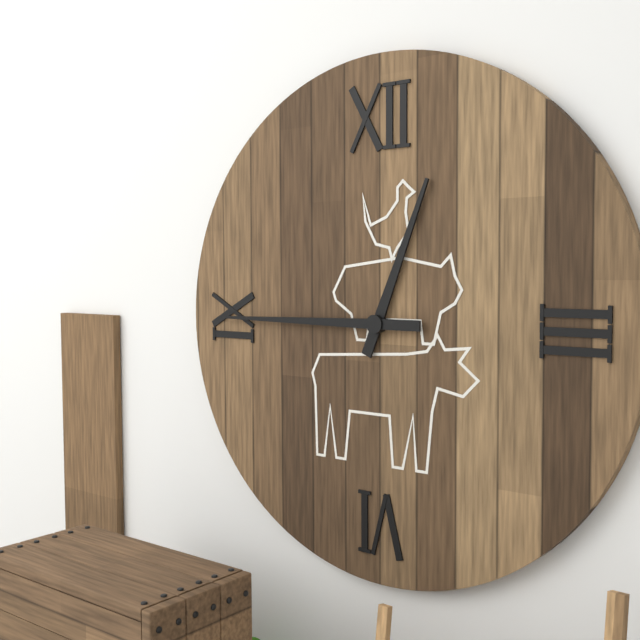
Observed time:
h=12 m=45
